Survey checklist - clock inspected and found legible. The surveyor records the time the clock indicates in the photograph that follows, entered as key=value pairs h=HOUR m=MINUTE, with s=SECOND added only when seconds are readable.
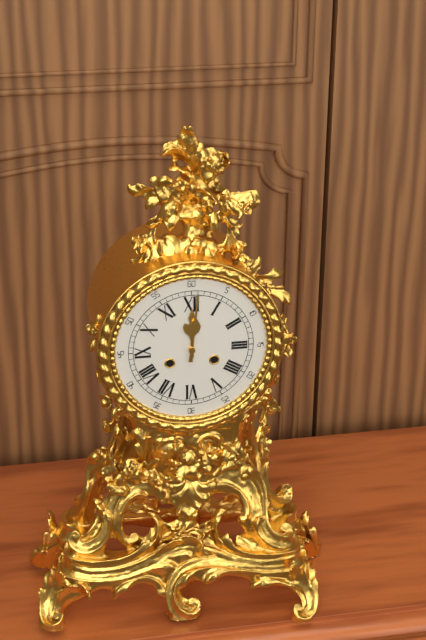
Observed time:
h=12 m=1
